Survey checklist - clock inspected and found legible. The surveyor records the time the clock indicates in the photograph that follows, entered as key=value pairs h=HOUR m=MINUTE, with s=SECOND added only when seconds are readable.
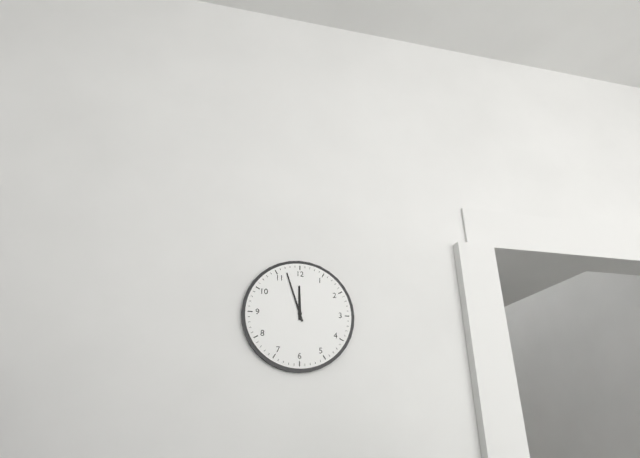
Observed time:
h=11 m=57
